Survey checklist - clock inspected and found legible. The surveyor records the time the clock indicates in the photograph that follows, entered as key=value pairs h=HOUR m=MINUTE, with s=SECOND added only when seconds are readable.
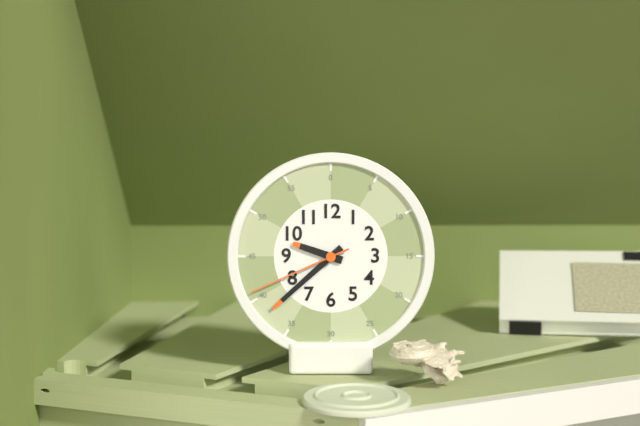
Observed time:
h=9 m=38 s=41
